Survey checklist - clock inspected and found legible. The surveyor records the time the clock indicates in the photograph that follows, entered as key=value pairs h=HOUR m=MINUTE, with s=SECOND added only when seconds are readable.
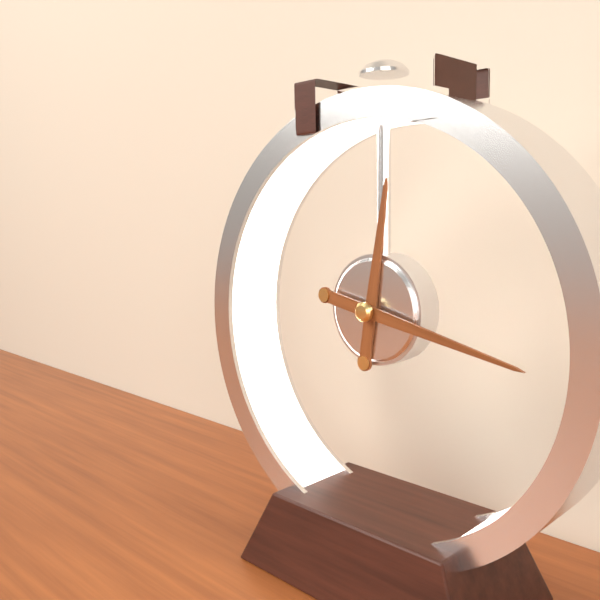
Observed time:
h=12 m=17
